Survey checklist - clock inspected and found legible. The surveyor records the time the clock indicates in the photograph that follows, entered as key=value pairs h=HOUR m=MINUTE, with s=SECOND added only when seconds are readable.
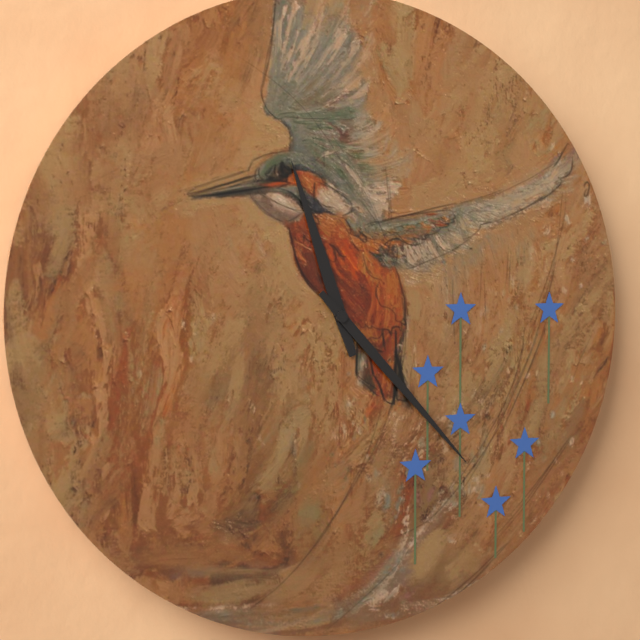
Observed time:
h=11 m=23
